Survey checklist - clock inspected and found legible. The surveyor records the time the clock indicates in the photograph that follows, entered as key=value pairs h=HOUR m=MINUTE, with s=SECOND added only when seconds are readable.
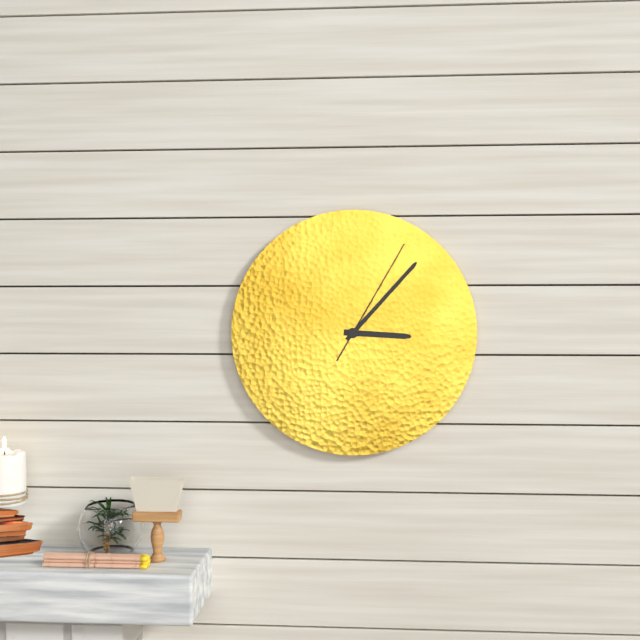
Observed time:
h=3 m=7 s=5
